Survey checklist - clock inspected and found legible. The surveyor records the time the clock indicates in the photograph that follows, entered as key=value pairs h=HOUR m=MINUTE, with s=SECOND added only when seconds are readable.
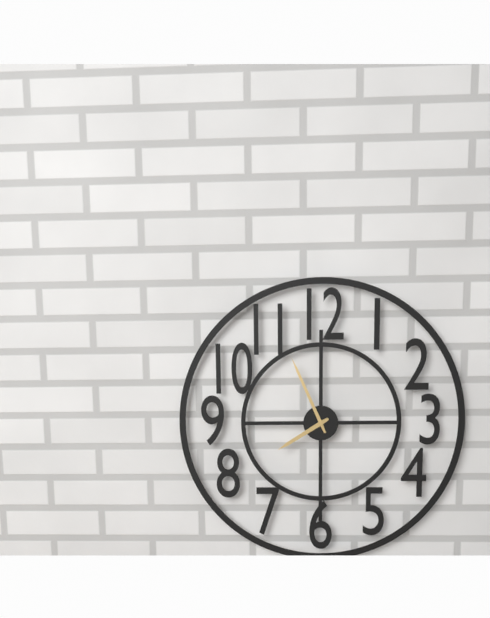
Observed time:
h=7 m=56
